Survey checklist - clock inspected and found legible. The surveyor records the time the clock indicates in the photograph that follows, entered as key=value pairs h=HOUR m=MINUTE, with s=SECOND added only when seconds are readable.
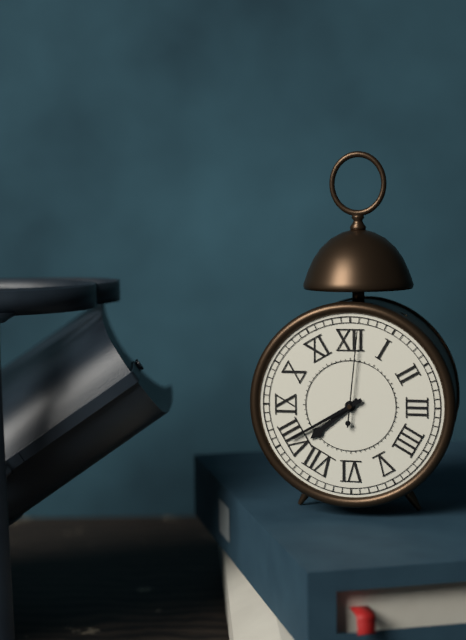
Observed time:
h=7 m=40 s=1
